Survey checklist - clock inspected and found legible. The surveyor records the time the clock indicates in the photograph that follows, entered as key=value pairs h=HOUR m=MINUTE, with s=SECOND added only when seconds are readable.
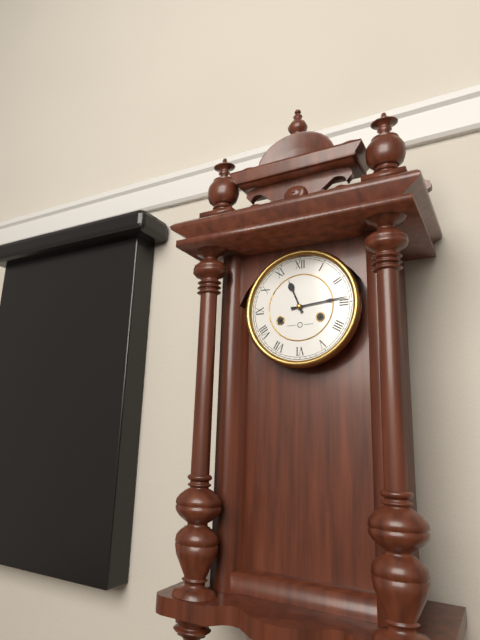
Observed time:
h=11 m=14
